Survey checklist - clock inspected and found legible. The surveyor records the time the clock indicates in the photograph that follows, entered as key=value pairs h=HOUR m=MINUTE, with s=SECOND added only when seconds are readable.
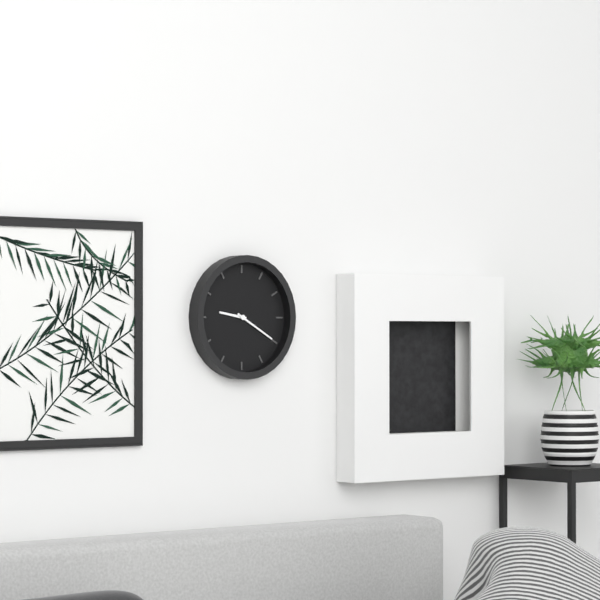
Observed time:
h=9 m=20
